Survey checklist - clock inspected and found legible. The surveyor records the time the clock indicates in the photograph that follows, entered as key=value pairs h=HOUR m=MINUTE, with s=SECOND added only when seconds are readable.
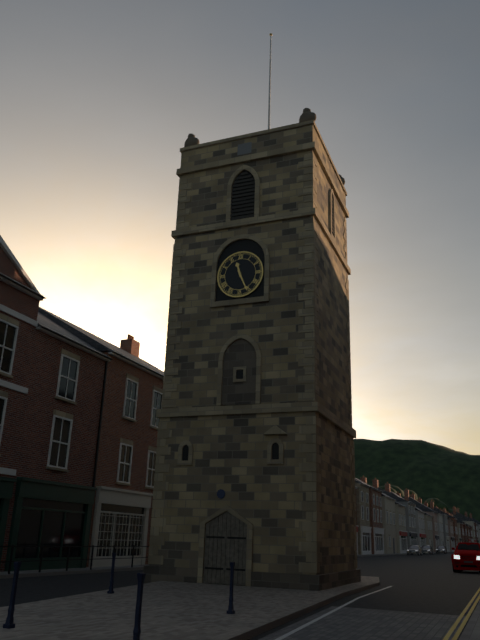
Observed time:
h=11 m=26
